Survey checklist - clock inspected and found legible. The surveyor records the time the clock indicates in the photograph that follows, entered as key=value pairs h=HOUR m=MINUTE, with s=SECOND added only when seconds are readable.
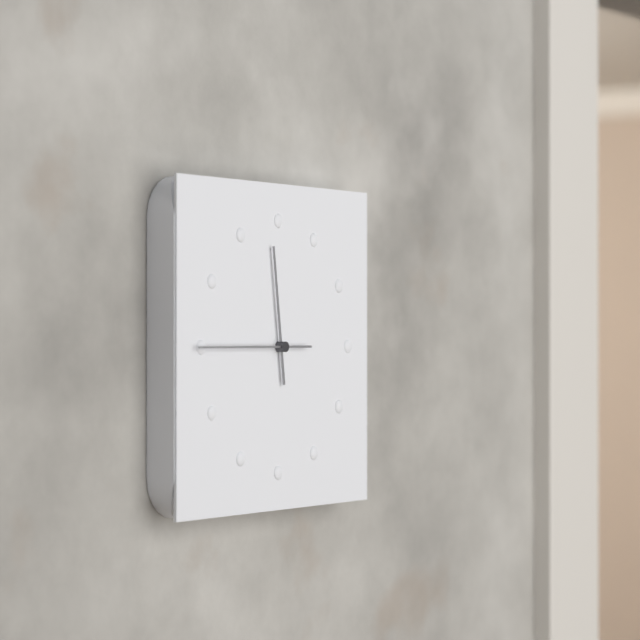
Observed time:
h=11 m=45
